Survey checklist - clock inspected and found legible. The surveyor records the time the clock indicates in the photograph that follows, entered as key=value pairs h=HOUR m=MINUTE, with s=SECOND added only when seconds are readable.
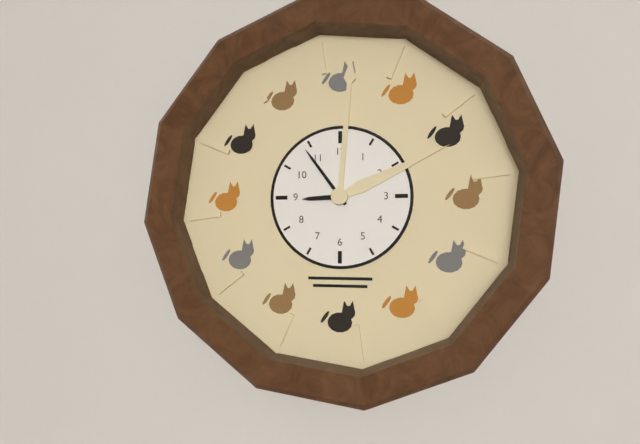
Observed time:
h=8 m=54
